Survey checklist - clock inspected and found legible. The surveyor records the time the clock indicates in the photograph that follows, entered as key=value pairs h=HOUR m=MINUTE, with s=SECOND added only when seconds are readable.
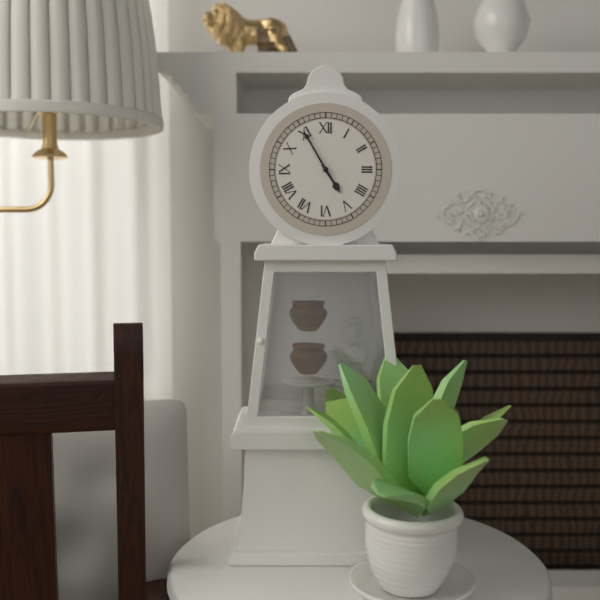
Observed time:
h=4 m=55
